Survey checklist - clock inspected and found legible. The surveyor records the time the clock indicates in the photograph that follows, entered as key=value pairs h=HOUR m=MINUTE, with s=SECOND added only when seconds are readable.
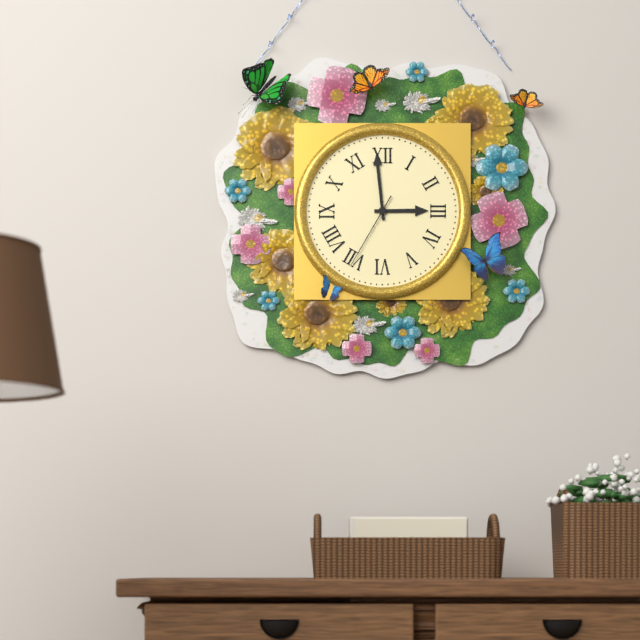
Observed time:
h=2 m=59 s=35
